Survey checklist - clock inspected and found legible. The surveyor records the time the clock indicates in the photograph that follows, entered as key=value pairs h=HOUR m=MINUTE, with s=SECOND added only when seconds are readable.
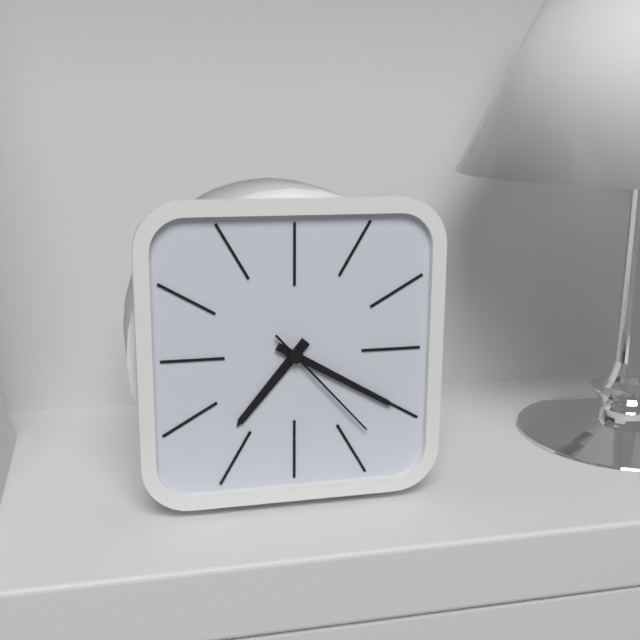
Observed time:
h=7 m=20 s=23
